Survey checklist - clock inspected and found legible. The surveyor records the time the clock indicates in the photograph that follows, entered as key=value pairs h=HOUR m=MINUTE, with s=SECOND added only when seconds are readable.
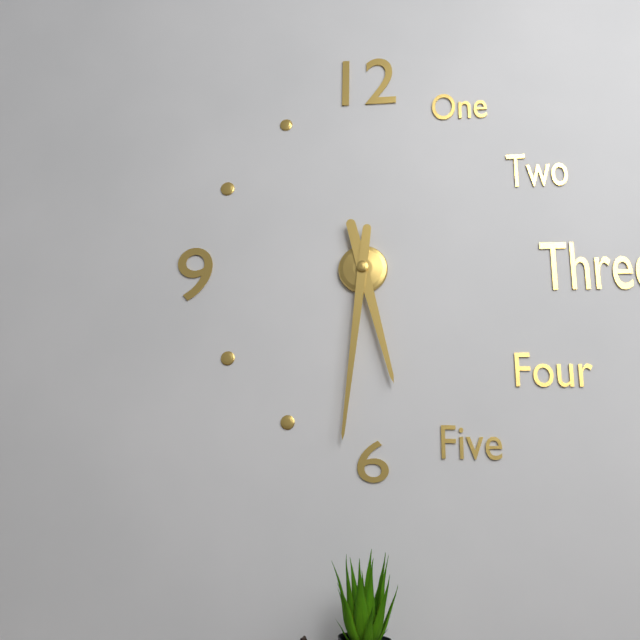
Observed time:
h=5 m=31
